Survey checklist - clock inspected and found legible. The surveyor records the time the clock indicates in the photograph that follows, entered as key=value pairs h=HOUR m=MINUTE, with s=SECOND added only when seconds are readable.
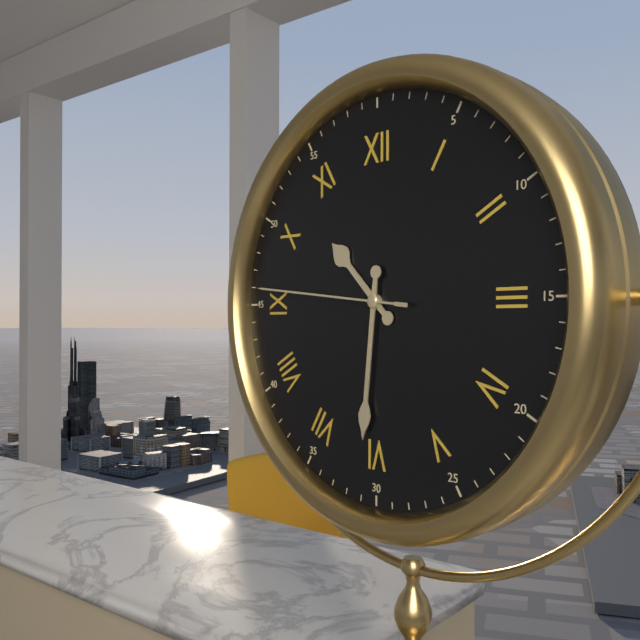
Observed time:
h=10 m=31 s=46
